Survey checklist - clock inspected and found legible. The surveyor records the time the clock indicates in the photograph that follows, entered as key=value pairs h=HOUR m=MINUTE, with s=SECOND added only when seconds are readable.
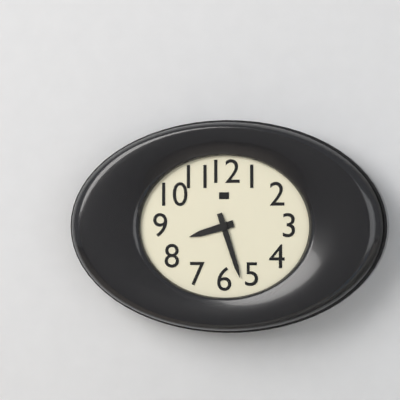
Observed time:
h=8 m=27
